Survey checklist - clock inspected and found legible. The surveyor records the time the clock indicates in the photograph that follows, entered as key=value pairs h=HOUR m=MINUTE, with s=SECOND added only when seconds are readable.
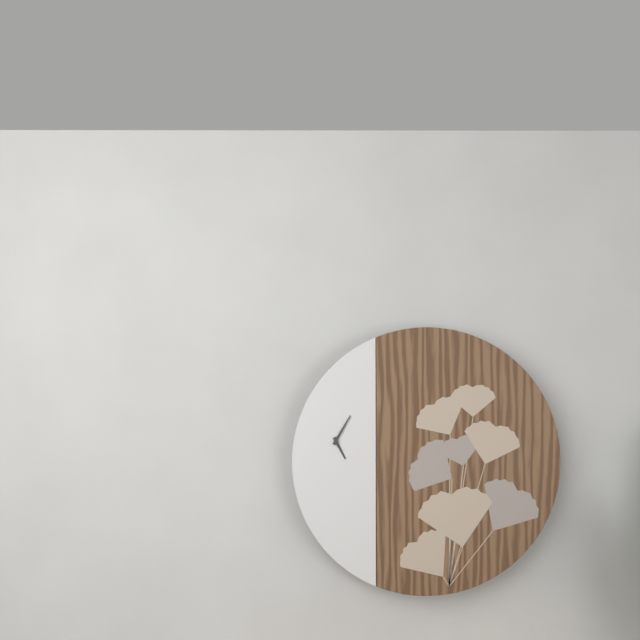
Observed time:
h=5 m=5
